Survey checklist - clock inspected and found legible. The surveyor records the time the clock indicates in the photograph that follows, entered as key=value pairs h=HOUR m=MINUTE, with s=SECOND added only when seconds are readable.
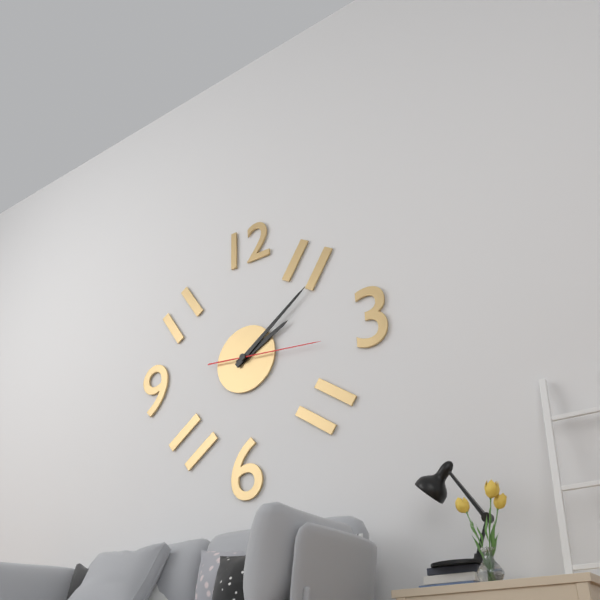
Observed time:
h=2 m=9 s=16
